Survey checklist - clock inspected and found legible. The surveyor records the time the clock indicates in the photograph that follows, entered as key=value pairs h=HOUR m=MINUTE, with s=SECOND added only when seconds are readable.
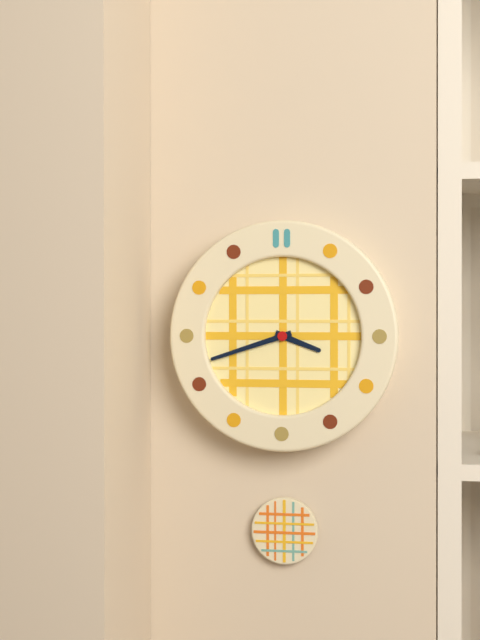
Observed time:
h=3 m=42
